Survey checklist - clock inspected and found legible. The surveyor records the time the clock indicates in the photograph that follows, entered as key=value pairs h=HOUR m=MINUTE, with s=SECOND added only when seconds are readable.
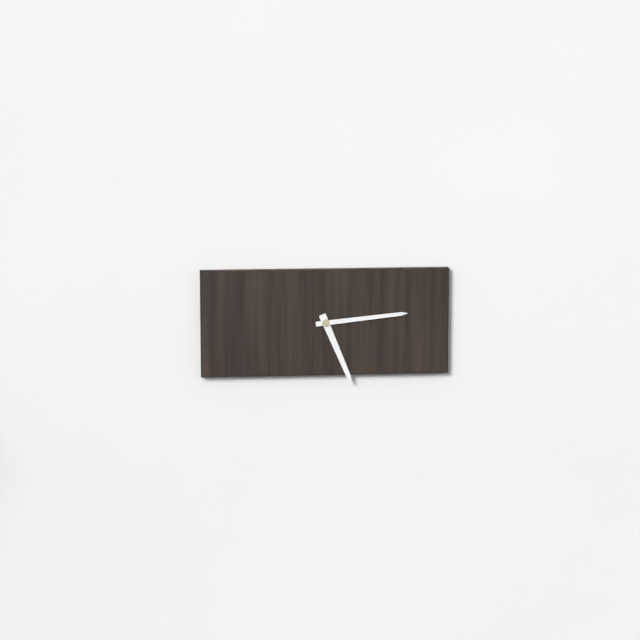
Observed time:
h=5 m=14
